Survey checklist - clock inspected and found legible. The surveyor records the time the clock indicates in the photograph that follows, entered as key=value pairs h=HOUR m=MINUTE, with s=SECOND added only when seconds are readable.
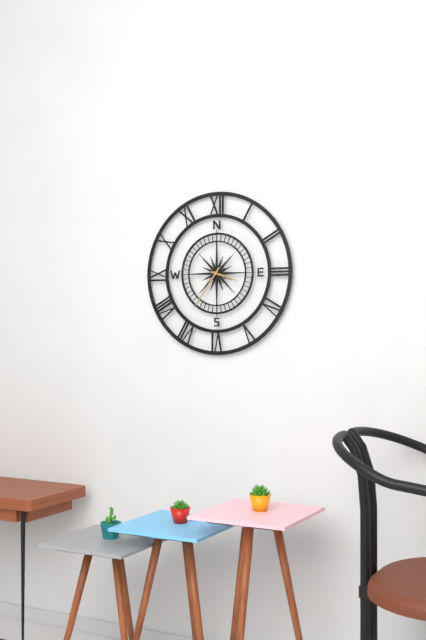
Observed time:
h=3 m=36
